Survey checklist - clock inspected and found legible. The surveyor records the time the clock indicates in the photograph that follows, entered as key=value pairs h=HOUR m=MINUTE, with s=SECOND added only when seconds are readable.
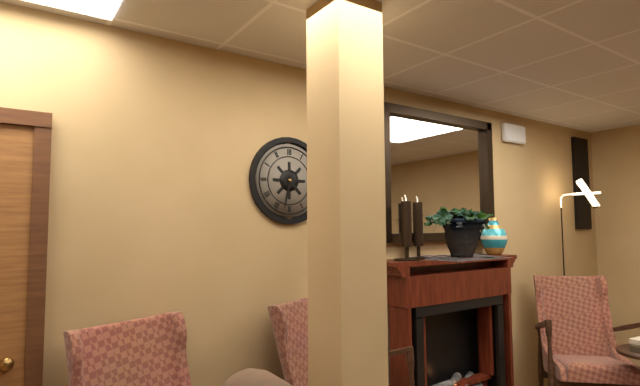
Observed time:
h=4 m=32
